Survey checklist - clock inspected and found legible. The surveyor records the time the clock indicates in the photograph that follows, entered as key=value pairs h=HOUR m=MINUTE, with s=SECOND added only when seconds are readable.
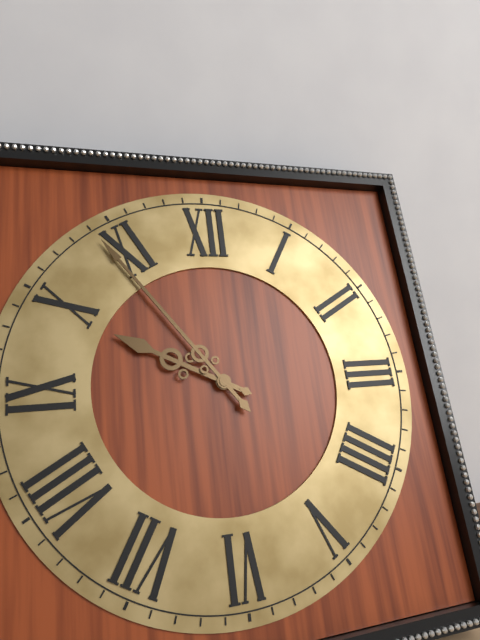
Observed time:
h=9 m=54
